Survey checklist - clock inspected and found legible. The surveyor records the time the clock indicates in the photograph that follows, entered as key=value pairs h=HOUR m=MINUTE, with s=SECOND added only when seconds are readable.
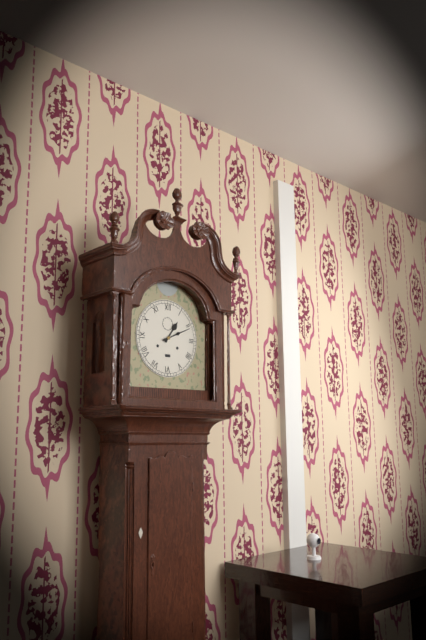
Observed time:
h=1 m=11
